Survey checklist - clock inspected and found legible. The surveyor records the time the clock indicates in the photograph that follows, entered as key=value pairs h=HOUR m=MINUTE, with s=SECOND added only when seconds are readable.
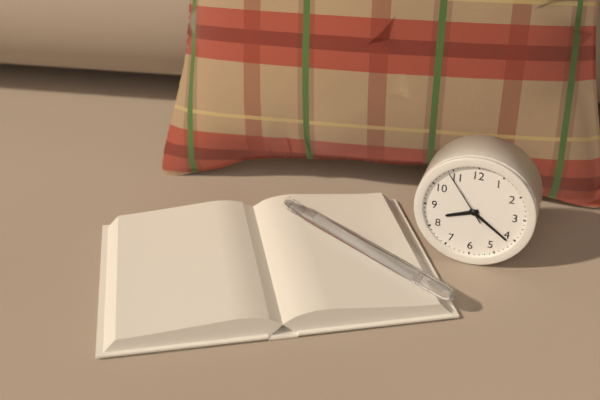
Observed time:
h=8 m=21 s=54
